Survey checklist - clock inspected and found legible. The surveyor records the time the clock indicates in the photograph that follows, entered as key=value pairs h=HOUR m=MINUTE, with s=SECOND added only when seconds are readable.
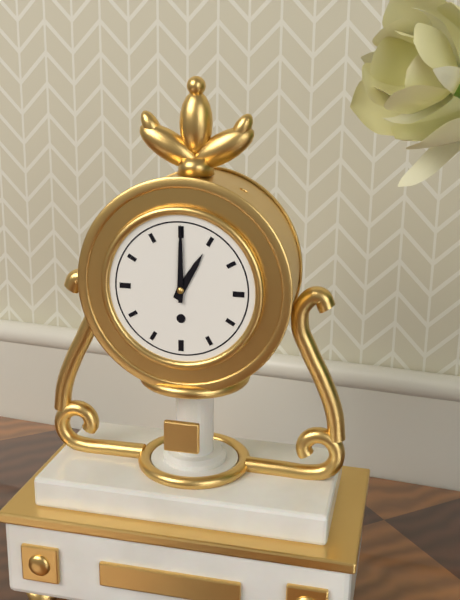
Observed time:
h=1 m=0
